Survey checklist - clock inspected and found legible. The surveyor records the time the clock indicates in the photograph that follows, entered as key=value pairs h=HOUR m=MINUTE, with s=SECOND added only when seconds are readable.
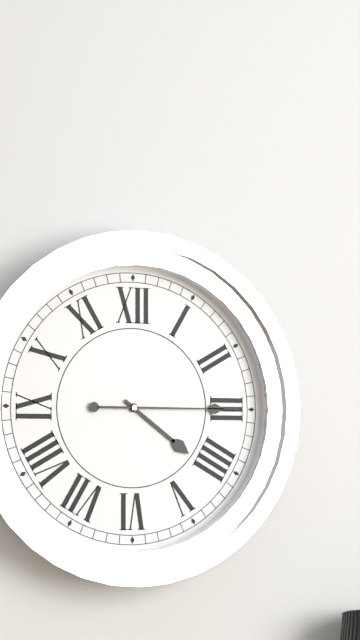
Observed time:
h=4 m=15
